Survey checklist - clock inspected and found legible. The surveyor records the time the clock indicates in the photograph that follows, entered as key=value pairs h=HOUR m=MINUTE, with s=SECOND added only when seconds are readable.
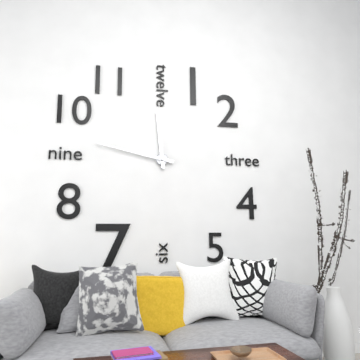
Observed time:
h=11 m=47
